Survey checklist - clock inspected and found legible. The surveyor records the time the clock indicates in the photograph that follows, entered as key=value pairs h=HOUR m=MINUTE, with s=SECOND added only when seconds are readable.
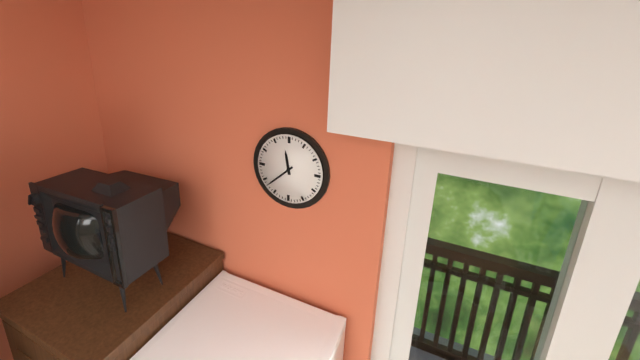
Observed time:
h=11 m=38
